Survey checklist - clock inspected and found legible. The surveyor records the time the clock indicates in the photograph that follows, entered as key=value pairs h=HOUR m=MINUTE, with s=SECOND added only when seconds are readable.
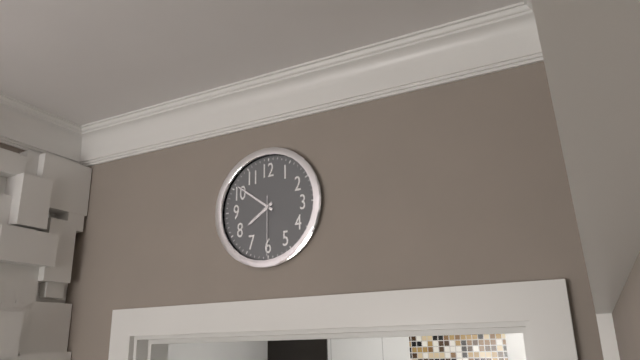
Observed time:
h=7 m=51 s=30
